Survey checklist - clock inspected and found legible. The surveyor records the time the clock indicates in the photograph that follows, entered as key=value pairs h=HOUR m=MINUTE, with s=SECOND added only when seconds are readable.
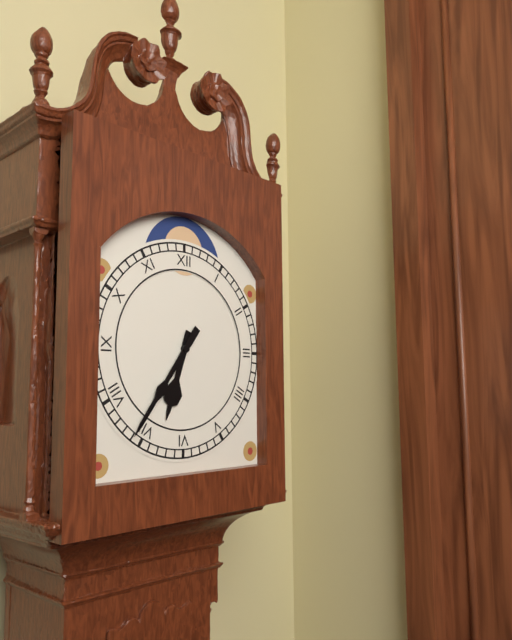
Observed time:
h=6 m=36
